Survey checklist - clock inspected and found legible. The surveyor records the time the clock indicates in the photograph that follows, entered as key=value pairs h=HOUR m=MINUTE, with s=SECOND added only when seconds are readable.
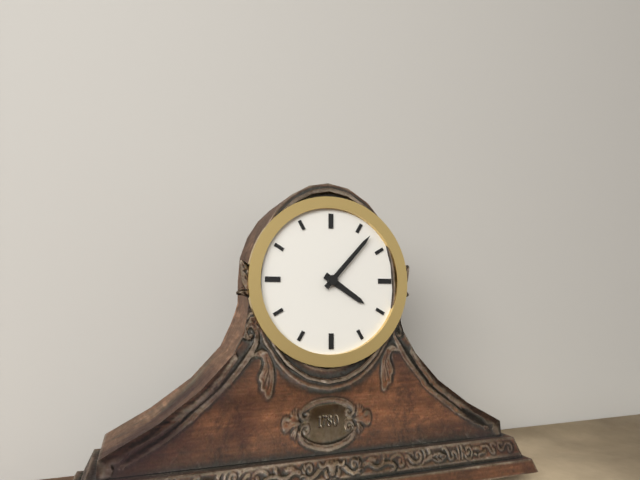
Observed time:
h=4 m=7
